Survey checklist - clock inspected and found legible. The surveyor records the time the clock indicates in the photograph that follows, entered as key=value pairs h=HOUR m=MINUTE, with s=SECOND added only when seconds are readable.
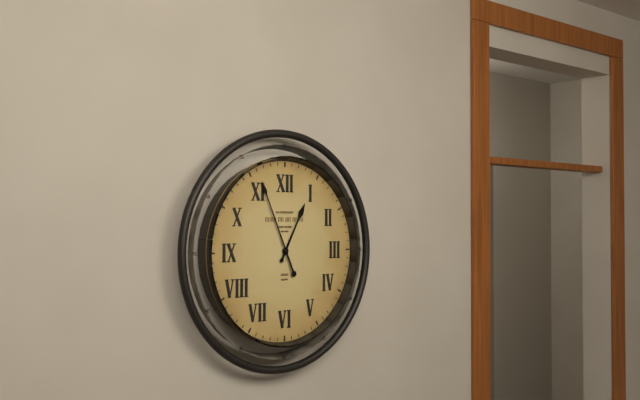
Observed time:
h=12 m=56
